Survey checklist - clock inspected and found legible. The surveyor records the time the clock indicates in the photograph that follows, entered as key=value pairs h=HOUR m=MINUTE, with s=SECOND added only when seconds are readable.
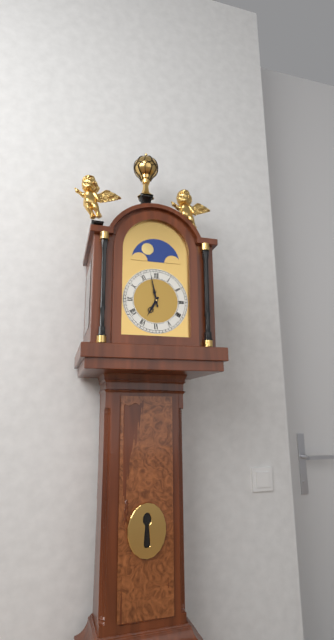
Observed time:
h=6 m=58
